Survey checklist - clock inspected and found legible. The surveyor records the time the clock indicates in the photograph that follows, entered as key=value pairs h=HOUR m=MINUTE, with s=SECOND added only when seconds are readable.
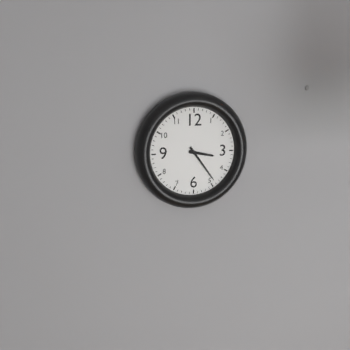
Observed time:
h=3 m=24
